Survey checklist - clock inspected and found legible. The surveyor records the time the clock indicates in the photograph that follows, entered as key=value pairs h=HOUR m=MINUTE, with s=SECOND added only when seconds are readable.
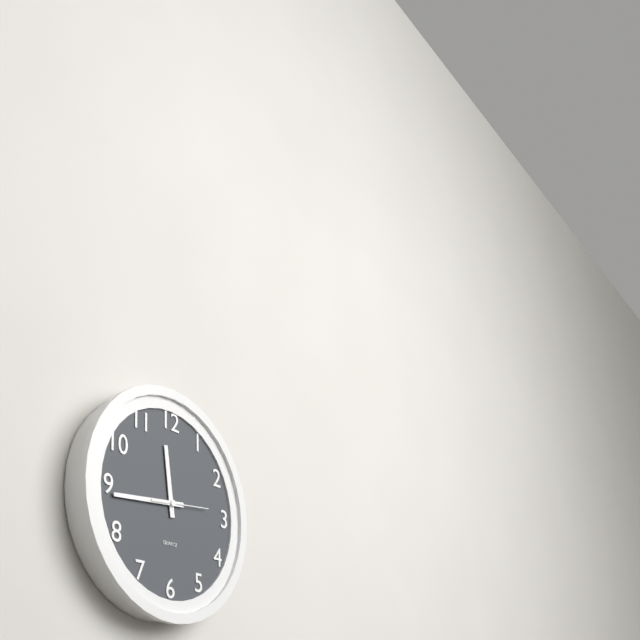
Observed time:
h=11 m=44
